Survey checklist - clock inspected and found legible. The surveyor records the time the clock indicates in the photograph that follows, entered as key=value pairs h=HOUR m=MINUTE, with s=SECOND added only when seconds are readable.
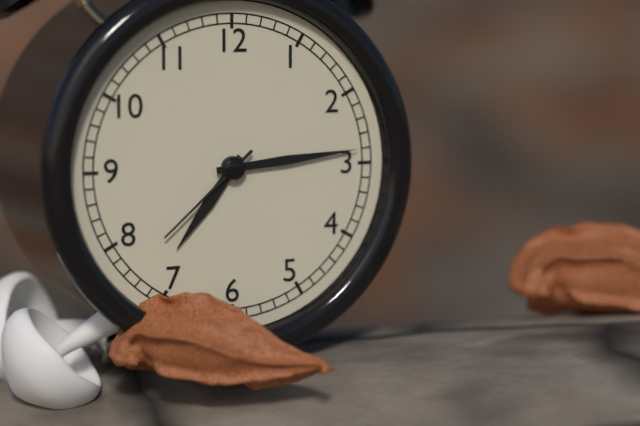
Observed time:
h=7 m=14 s=38
